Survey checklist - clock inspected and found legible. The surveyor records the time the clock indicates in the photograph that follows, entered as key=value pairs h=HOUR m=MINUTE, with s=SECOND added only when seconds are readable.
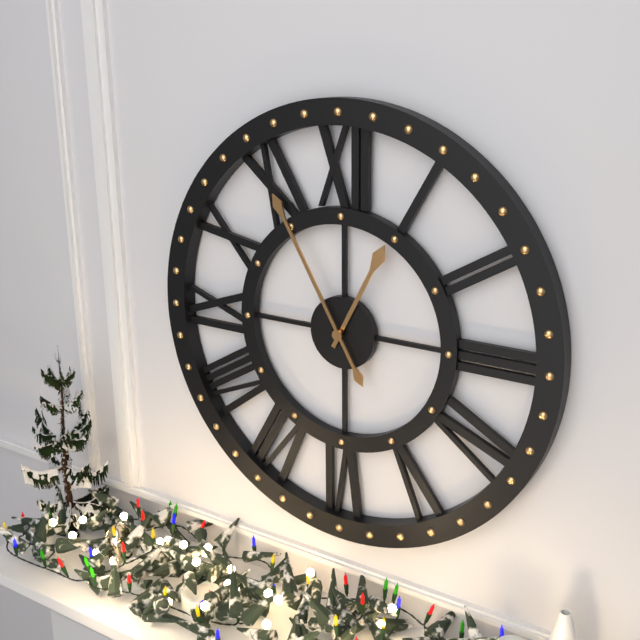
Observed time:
h=12 m=55
